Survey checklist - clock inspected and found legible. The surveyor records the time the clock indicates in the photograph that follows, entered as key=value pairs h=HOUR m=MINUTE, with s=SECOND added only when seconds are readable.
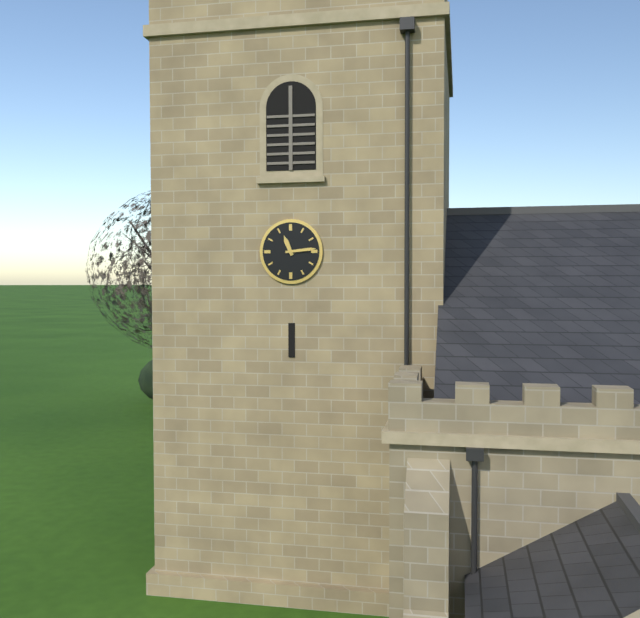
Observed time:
h=11 m=14
